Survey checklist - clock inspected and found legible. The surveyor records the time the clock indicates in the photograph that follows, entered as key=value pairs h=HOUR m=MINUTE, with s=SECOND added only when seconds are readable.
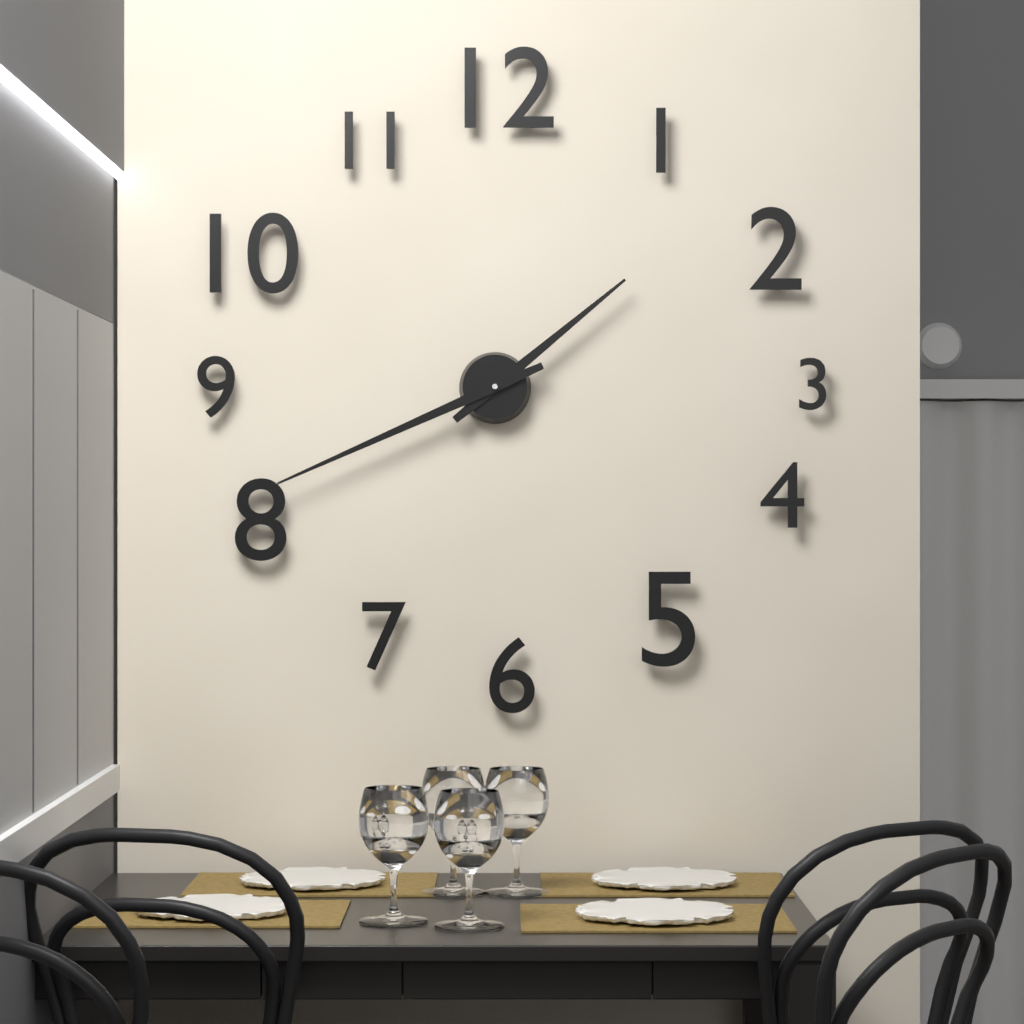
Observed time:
h=1 m=41
